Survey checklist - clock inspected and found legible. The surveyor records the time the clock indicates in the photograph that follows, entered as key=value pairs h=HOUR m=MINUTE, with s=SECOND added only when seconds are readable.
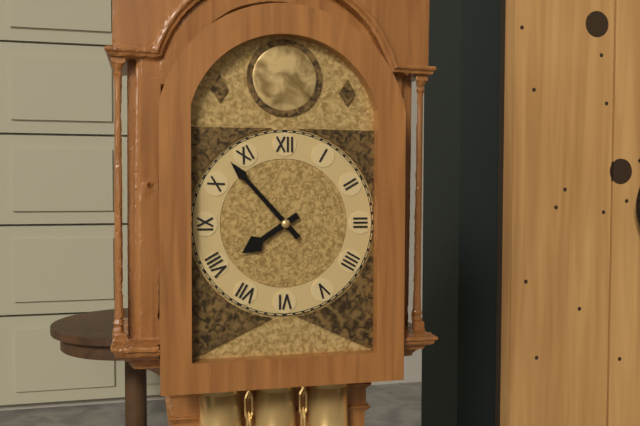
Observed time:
h=7 m=53
